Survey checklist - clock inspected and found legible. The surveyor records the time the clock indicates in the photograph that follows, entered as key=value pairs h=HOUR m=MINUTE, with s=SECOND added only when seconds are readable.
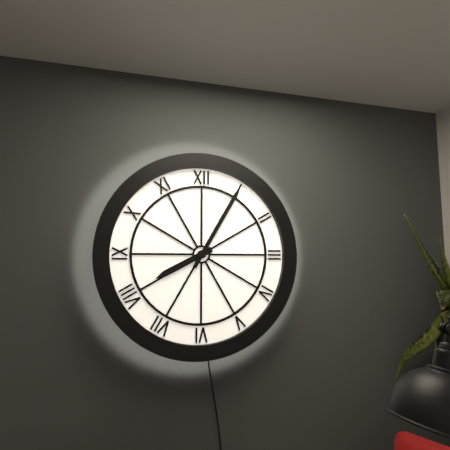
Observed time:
h=8 m=5
